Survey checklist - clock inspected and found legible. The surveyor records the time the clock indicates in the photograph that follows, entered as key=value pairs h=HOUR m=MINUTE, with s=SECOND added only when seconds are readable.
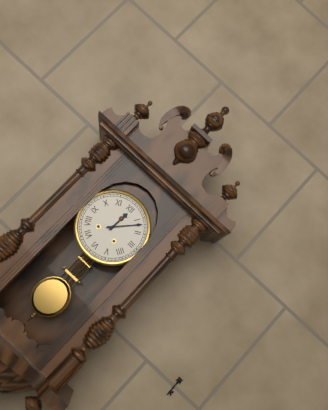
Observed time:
h=12 m=7
